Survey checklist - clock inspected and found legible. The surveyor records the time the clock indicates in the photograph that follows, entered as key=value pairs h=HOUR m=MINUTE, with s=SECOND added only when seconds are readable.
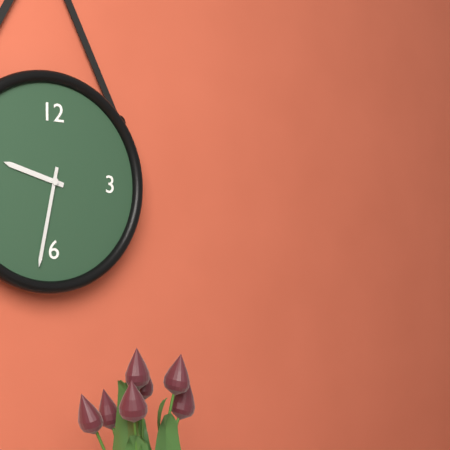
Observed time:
h=9 m=32
